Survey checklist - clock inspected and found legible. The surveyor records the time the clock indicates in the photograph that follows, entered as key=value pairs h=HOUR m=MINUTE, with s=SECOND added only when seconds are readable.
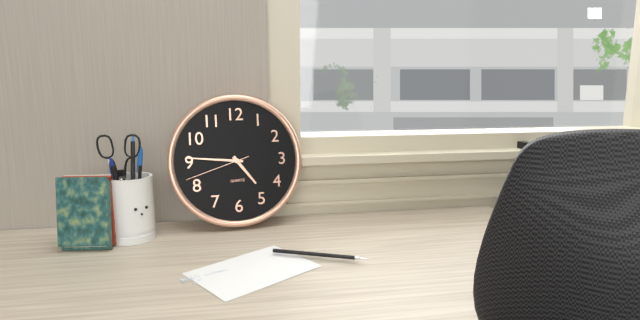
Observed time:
h=4 m=46 s=42
